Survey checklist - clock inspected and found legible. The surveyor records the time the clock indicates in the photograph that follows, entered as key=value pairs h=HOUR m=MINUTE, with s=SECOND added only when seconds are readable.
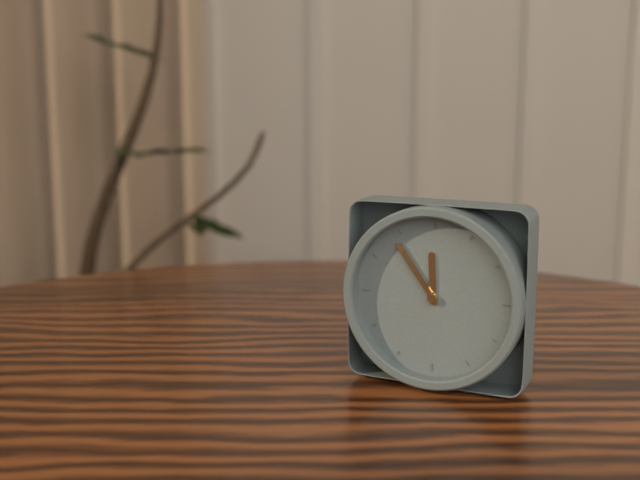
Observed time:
h=11 m=54
